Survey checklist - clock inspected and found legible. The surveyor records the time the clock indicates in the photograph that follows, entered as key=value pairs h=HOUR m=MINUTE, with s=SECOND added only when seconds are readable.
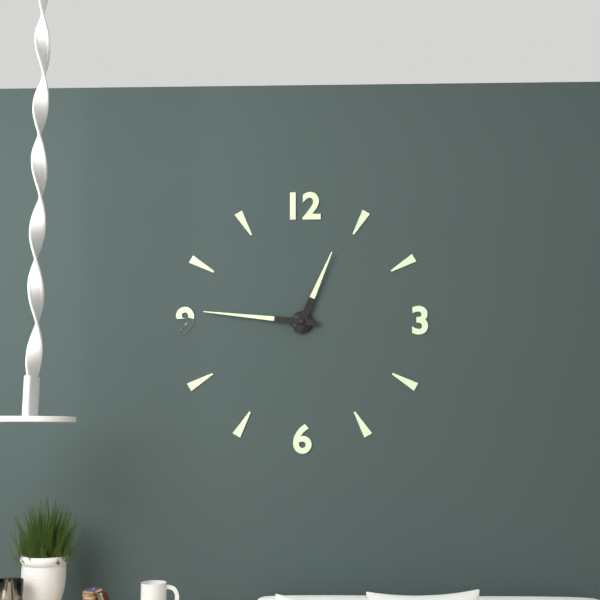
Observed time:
h=12 m=46
